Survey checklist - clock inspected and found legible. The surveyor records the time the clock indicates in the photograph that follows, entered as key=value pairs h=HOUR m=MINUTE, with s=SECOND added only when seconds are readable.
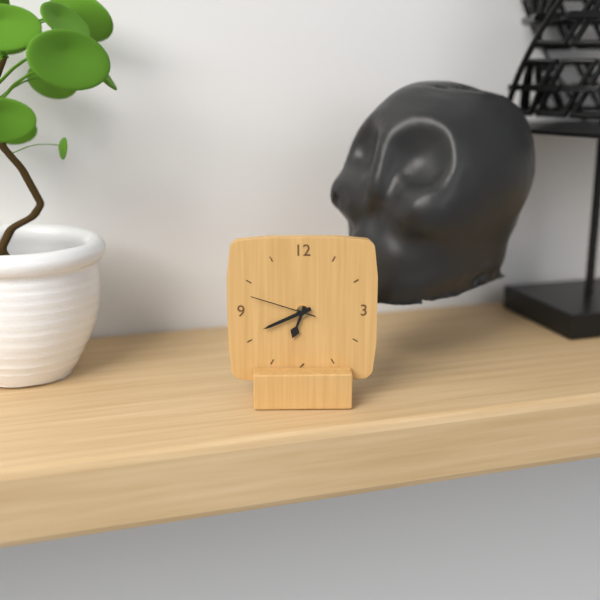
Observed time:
h=6 m=41 s=48
